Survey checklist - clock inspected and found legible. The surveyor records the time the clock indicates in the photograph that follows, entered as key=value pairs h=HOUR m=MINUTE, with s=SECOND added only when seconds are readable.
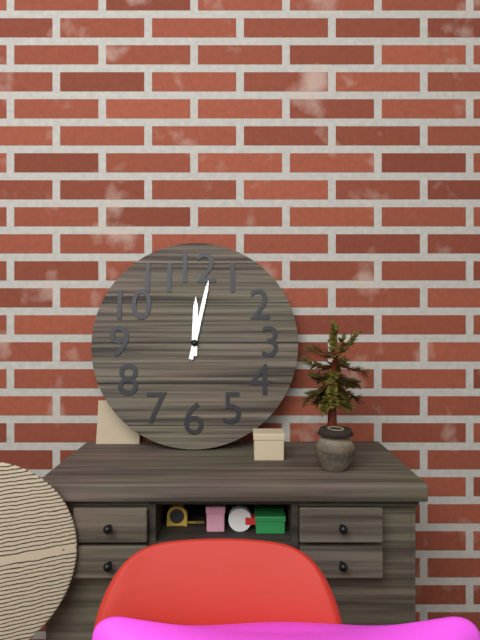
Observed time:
h=12 m=2
